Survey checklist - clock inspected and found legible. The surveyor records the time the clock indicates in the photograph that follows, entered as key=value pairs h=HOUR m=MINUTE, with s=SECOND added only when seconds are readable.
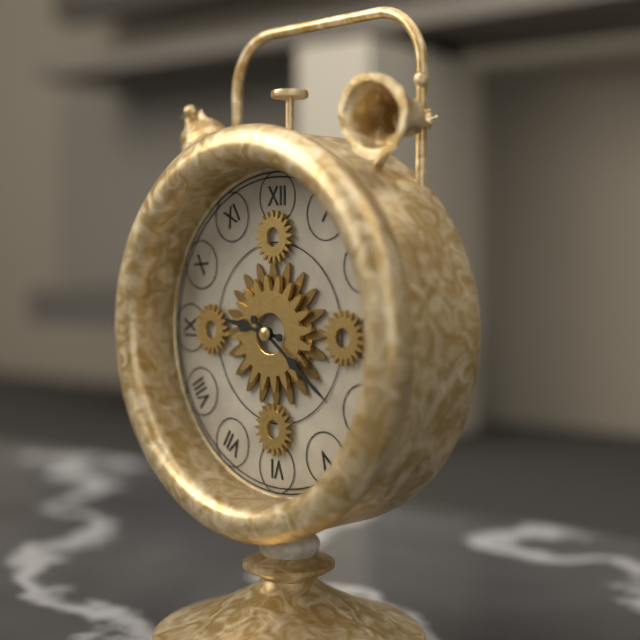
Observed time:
h=9 m=21
